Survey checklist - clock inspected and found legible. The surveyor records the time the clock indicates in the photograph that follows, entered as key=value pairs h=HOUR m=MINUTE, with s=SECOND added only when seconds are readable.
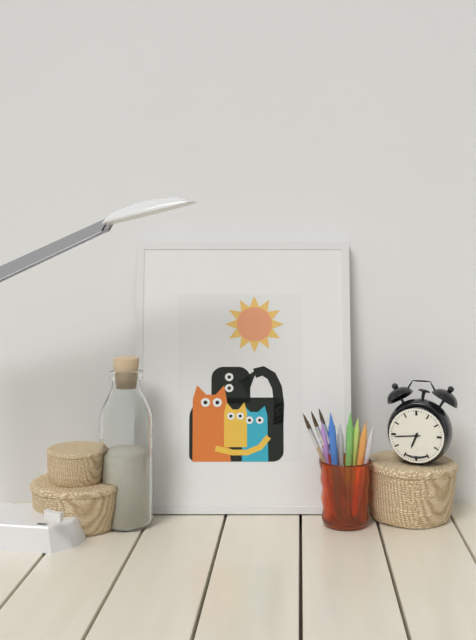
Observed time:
h=6 m=44
